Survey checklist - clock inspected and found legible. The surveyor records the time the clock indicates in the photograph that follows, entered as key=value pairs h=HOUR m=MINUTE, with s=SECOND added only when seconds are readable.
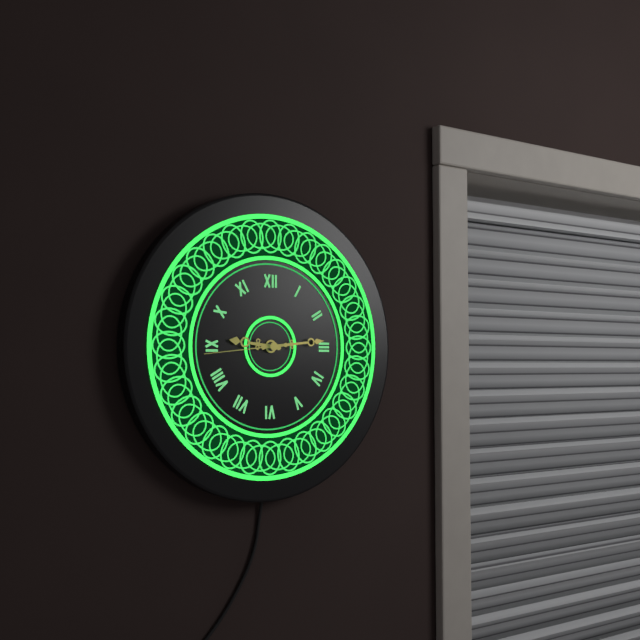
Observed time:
h=9 m=14 s=44
